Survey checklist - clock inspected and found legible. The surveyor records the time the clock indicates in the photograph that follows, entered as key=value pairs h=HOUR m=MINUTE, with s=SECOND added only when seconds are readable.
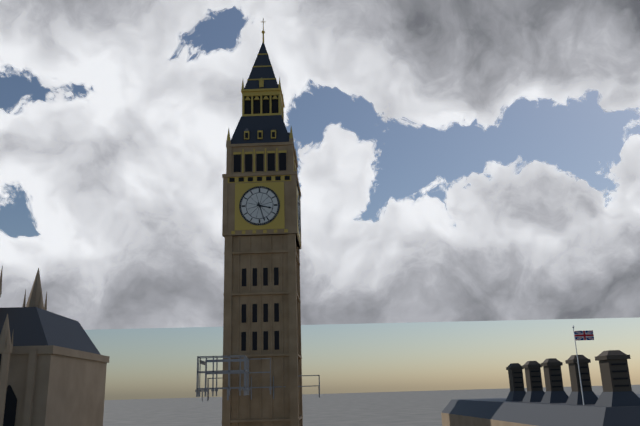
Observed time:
h=3 m=27
